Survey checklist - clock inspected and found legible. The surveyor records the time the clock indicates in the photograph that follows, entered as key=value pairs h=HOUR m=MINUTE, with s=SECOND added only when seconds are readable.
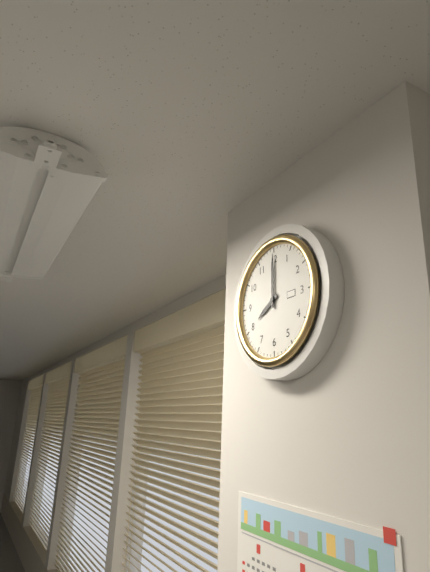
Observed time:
h=8 m=0
